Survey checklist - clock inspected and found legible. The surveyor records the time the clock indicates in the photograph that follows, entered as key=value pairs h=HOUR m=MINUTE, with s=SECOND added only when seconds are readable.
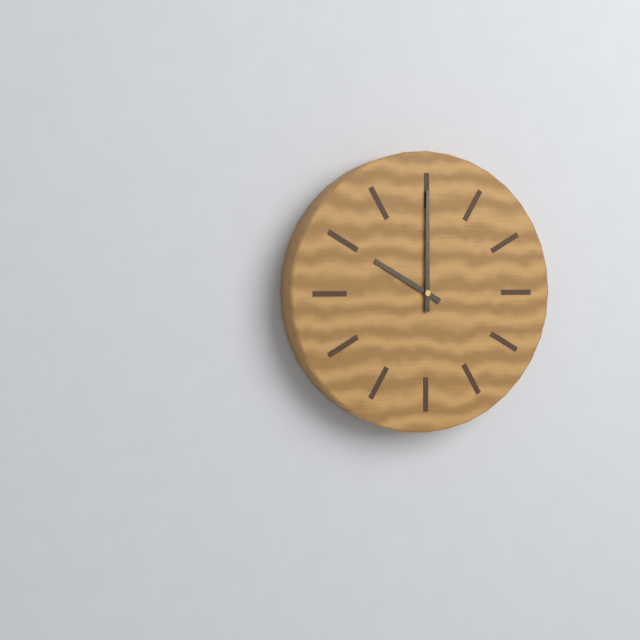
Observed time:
h=10 m=0
